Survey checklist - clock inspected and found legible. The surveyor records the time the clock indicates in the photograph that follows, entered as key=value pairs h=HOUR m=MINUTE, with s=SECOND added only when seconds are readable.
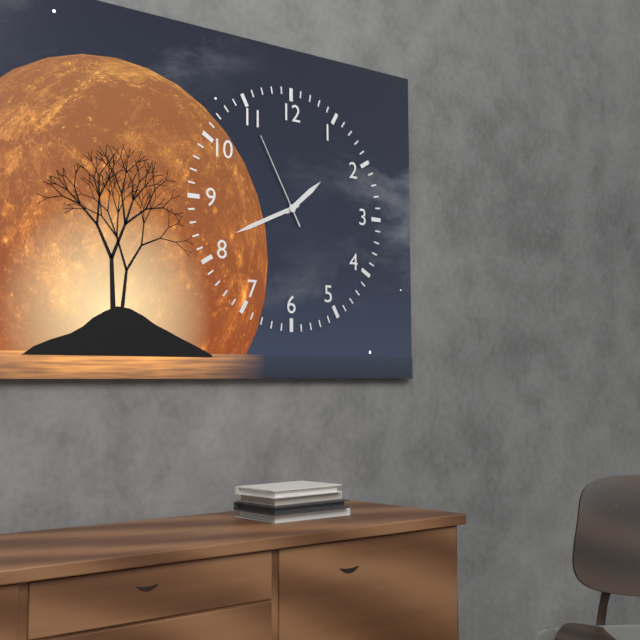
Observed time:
h=1 m=41 s=55
